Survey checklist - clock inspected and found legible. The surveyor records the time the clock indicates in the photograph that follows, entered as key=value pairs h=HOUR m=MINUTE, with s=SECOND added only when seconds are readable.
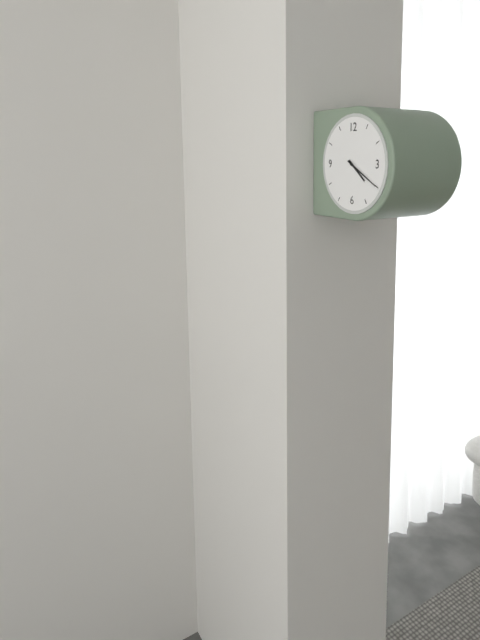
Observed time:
h=4 m=20
